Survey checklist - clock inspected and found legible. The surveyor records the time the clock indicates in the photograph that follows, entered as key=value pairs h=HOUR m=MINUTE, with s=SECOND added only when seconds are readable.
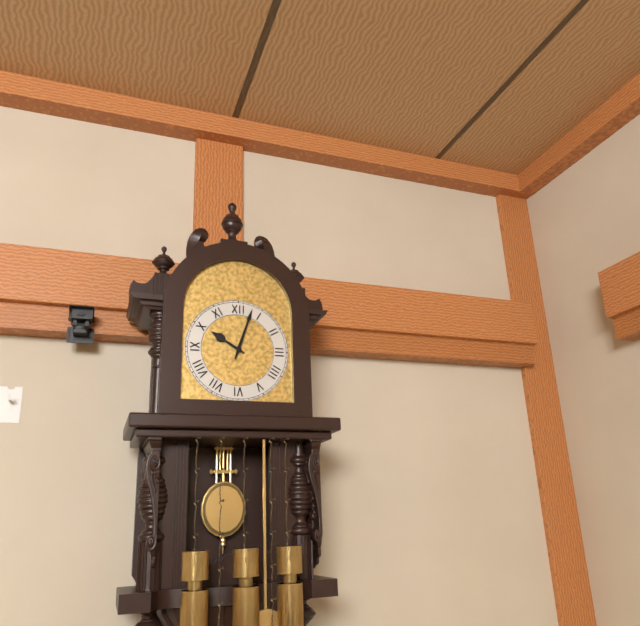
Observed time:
h=10 m=3
